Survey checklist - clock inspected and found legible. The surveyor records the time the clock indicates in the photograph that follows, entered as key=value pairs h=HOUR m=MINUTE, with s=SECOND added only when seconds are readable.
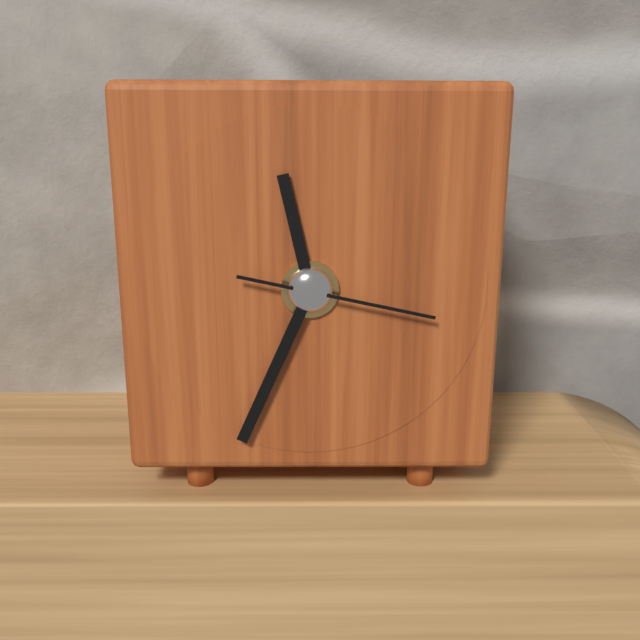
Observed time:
h=11 m=34 s=17
